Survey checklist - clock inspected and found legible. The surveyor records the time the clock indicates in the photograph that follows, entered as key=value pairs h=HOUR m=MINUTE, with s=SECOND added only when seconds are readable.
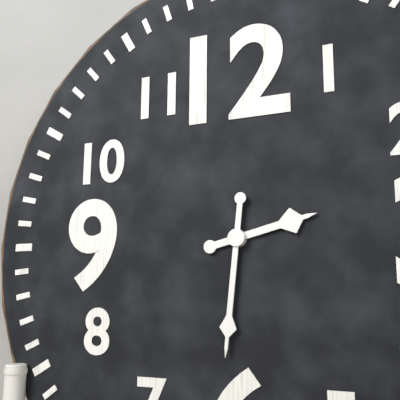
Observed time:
h=2 m=31
